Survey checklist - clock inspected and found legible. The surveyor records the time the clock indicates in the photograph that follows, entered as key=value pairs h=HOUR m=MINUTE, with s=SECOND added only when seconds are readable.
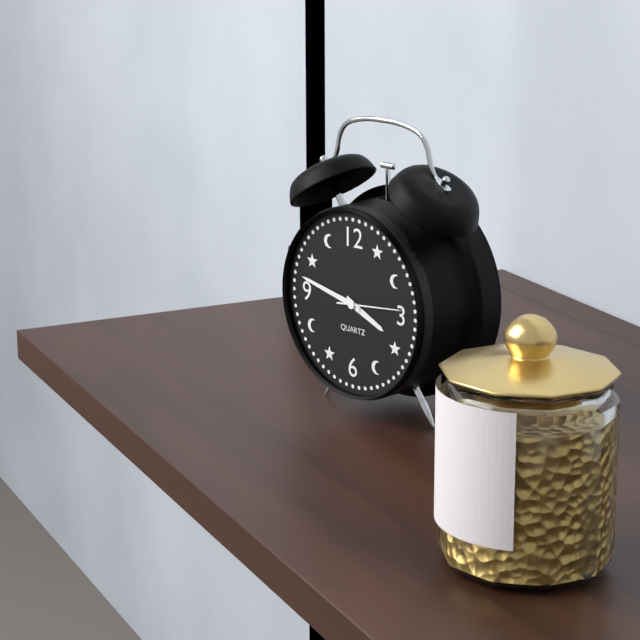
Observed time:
h=3 m=47 s=14
